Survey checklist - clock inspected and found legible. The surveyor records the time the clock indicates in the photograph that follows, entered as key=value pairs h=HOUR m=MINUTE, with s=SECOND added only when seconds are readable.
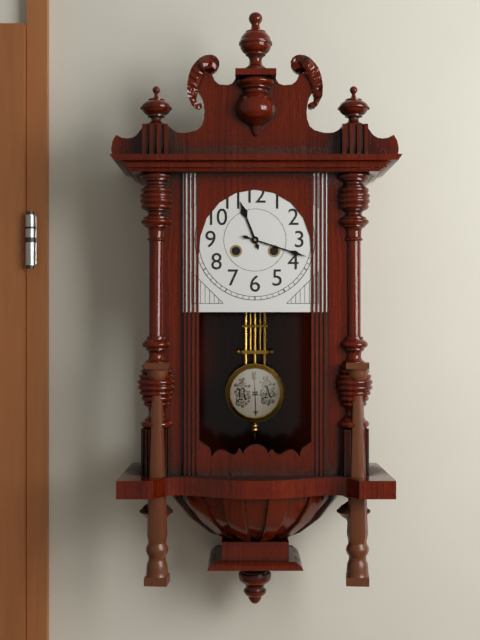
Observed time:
h=11 m=18
